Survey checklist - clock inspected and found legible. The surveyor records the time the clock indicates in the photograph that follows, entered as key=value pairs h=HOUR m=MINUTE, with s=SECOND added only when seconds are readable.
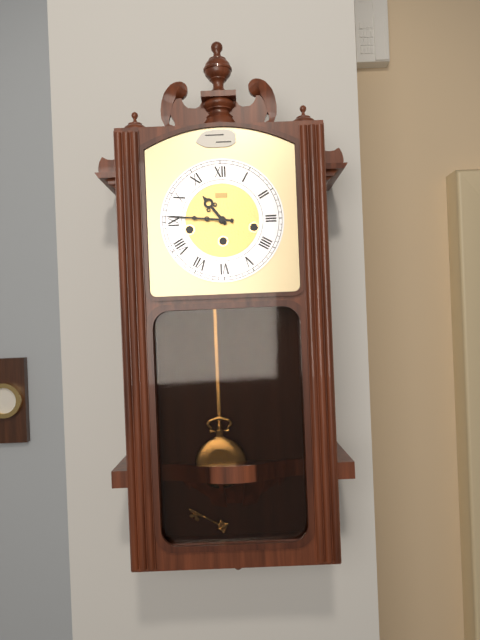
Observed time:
h=10 m=46
